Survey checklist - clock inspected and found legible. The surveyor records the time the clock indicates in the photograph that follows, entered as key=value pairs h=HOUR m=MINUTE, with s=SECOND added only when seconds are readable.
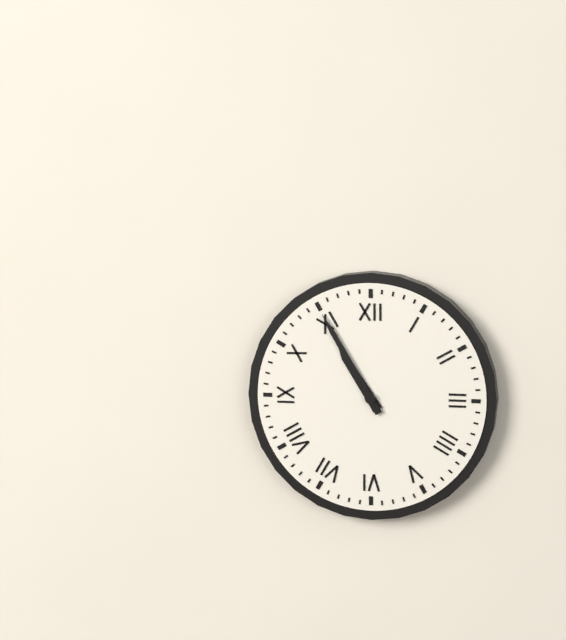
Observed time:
h=10 m=55
